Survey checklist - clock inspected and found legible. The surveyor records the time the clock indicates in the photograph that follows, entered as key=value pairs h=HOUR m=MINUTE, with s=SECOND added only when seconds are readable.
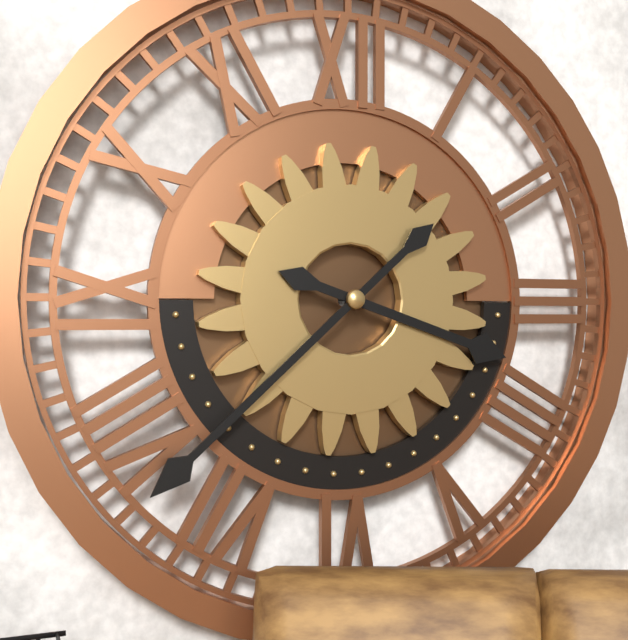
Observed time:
h=3 m=38
